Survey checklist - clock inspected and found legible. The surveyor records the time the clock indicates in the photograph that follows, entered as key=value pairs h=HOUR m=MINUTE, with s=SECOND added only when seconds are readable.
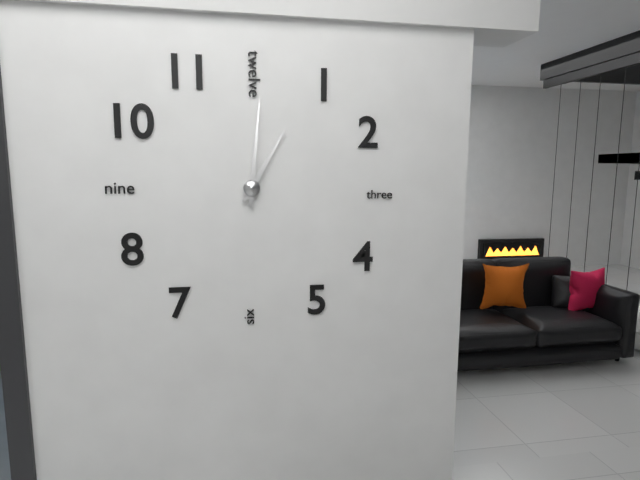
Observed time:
h=1 m=1
